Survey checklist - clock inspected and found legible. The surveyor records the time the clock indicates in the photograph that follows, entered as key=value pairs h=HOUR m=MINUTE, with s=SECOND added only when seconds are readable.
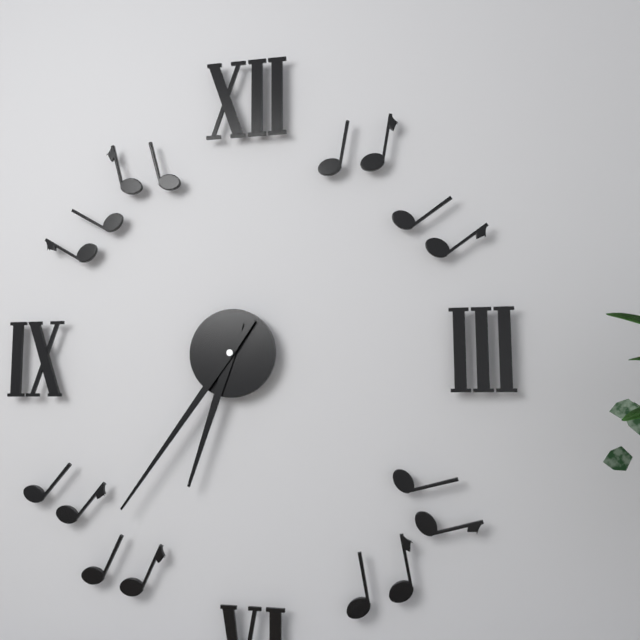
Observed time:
h=6 m=36
